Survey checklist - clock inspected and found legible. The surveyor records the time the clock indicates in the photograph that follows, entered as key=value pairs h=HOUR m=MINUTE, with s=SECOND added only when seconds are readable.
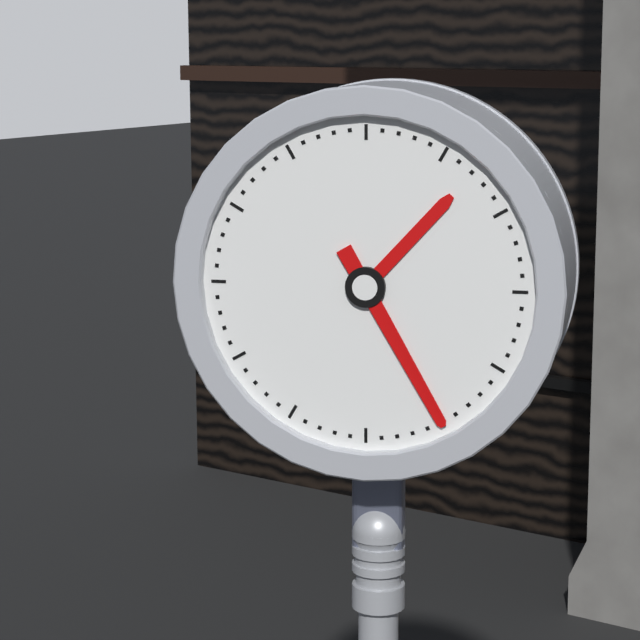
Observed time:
h=1 m=25
